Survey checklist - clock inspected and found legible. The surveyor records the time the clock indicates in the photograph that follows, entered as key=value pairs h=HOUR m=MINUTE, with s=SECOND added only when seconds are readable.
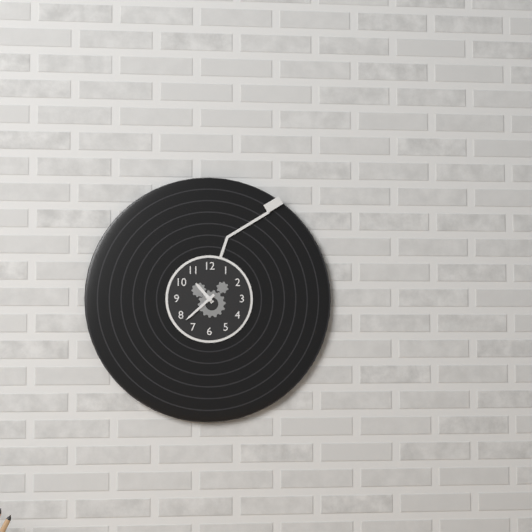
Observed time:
h=10 m=38
